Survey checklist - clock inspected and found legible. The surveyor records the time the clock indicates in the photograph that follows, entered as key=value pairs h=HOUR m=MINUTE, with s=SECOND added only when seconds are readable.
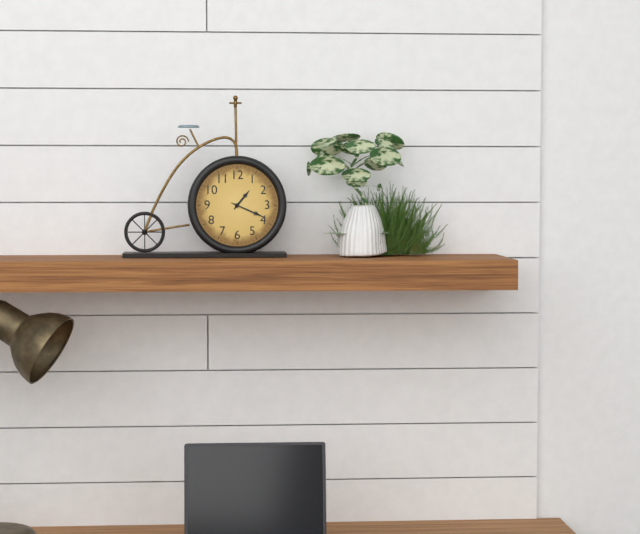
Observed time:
h=1 m=19
